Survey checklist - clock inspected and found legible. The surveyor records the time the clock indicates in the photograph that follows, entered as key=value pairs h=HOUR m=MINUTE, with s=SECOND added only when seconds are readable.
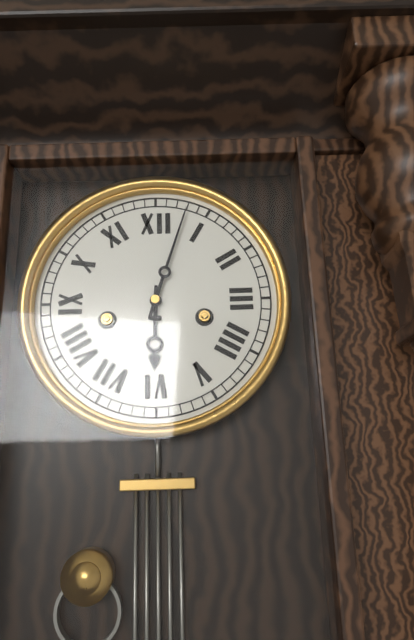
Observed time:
h=6 m=3
